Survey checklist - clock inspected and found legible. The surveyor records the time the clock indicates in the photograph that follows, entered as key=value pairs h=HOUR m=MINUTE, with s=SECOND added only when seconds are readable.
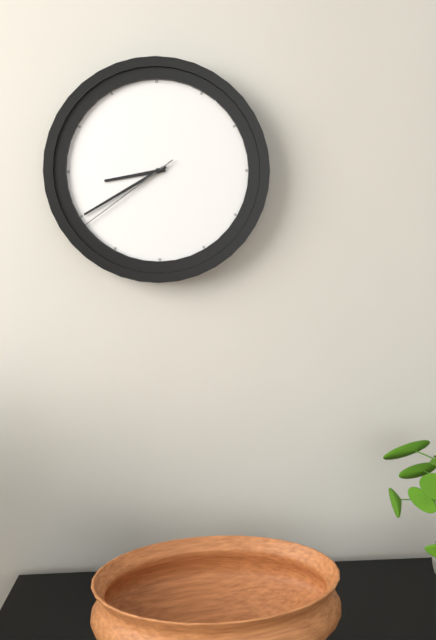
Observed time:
h=8 m=40 s=39
